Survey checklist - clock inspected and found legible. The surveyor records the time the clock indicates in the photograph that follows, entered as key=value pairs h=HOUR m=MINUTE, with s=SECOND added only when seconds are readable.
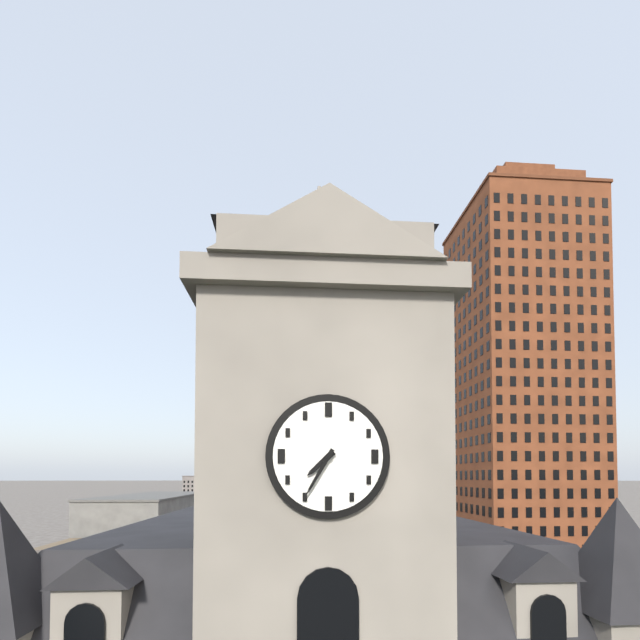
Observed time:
h=7 m=35
